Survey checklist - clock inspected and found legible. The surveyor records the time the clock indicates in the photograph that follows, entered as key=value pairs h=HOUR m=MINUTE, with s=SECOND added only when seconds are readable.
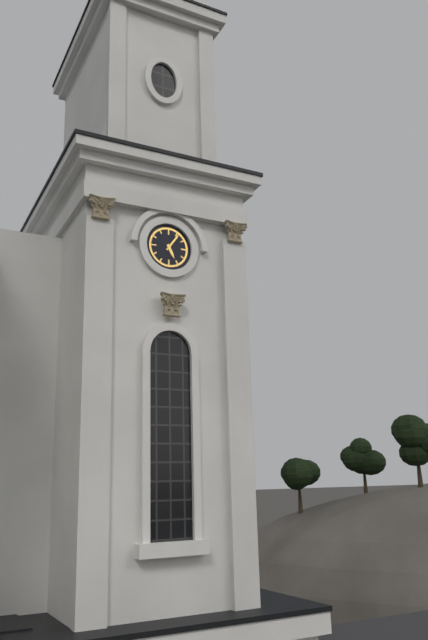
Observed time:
h=5 m=6
